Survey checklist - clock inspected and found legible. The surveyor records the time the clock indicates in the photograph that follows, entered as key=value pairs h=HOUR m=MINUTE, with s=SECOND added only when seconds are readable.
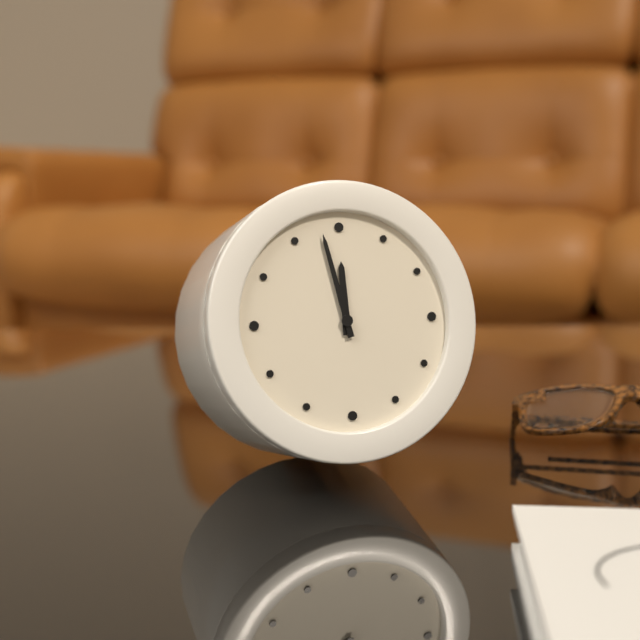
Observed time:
h=11 m=58
